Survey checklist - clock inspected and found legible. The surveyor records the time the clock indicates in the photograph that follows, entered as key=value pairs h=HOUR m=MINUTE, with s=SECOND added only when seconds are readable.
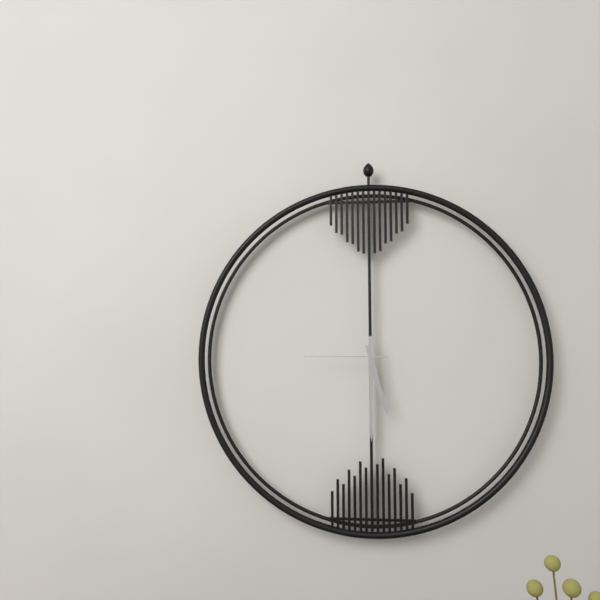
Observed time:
h=5 m=30 s=45
